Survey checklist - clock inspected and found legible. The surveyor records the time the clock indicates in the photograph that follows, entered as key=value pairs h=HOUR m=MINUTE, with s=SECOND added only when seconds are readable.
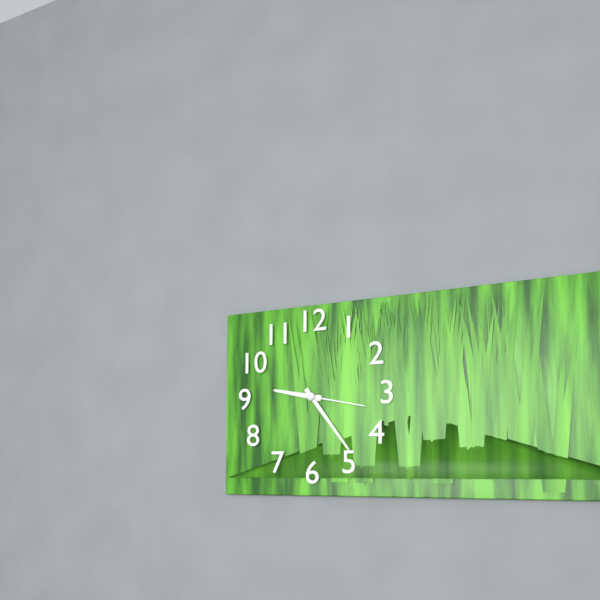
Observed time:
h=9 m=24 s=17
